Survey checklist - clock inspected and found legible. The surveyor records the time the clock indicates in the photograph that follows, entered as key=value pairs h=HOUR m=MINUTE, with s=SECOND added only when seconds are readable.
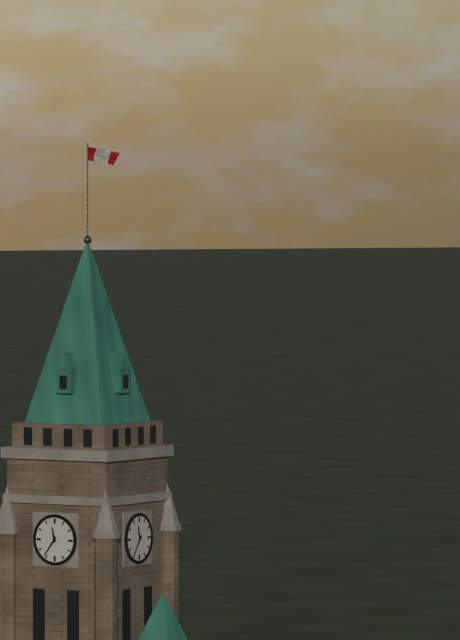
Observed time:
h=11 m=36
